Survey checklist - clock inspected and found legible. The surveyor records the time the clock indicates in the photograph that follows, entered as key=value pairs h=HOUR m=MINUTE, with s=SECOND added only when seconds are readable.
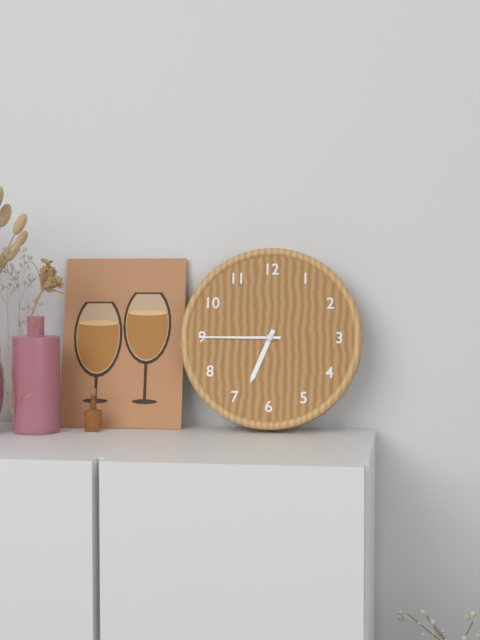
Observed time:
h=6 m=45
